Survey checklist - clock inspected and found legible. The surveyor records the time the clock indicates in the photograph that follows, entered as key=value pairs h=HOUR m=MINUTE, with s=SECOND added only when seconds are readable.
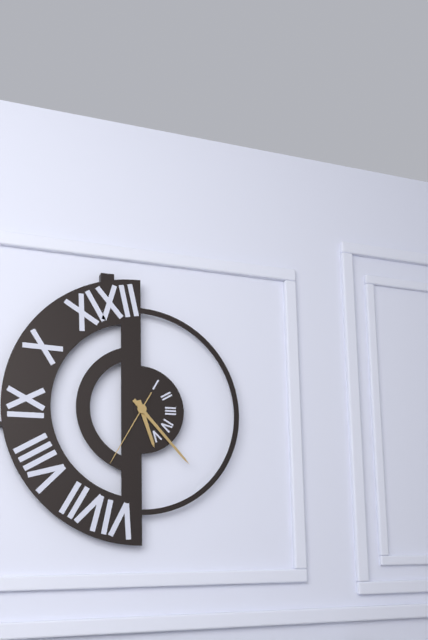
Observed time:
h=5 m=23 s=35
